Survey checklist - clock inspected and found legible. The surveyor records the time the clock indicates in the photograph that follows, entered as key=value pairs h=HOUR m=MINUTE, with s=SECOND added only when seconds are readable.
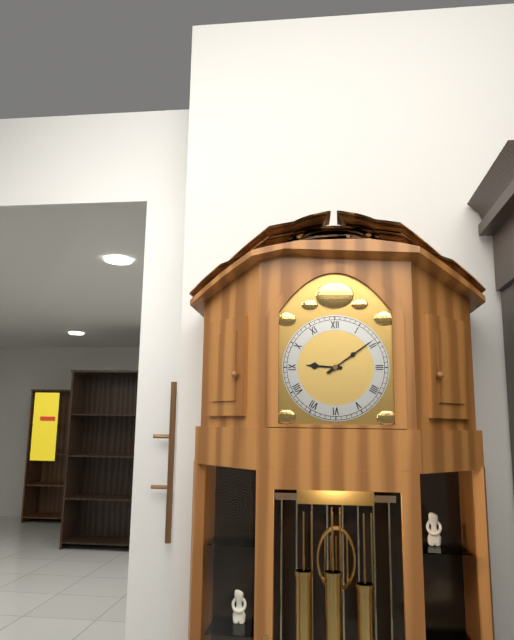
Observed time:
h=9 m=9
